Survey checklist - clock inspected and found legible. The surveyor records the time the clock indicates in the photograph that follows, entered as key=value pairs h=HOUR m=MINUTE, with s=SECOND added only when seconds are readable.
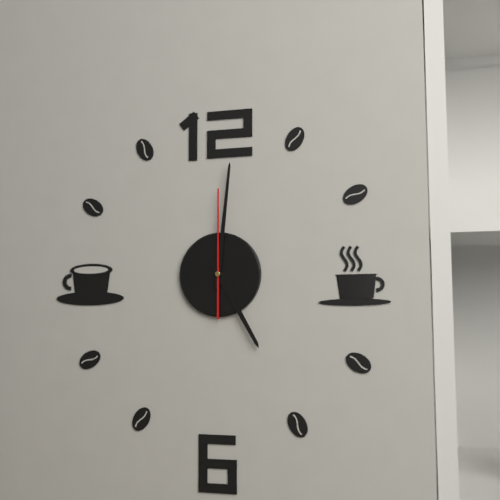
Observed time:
h=5 m=1 s=0
